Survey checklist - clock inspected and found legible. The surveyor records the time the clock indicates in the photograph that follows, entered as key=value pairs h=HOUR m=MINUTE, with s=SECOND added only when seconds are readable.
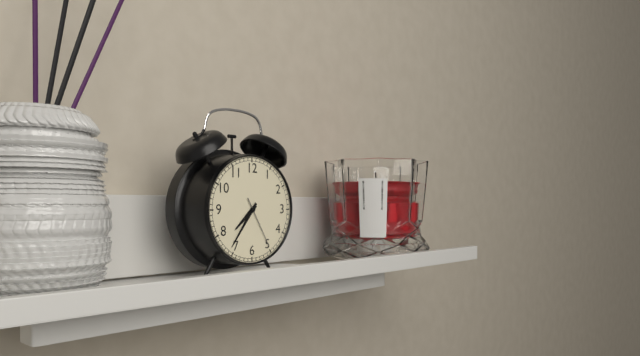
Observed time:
h=7 m=36
